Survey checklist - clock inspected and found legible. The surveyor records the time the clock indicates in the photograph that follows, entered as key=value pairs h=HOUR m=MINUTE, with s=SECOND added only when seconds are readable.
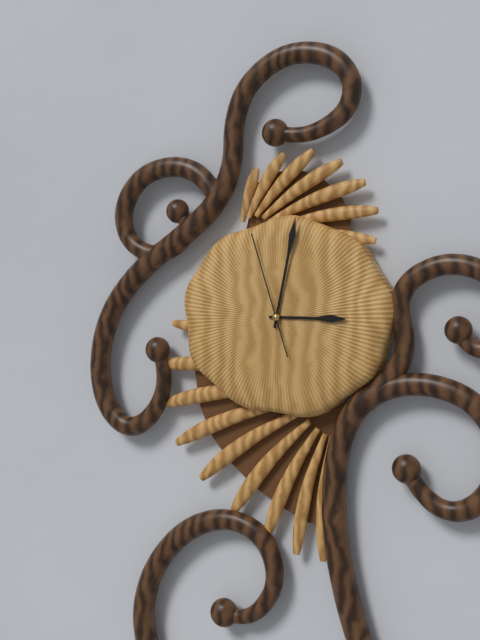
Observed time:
h=3 m=2 s=57
